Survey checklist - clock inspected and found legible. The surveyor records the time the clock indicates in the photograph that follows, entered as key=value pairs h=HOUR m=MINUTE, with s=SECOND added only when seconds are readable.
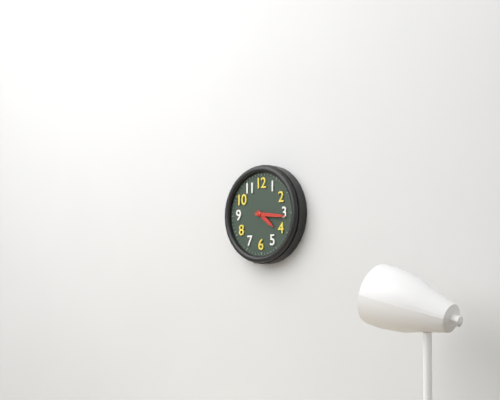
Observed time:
h=4 m=16
